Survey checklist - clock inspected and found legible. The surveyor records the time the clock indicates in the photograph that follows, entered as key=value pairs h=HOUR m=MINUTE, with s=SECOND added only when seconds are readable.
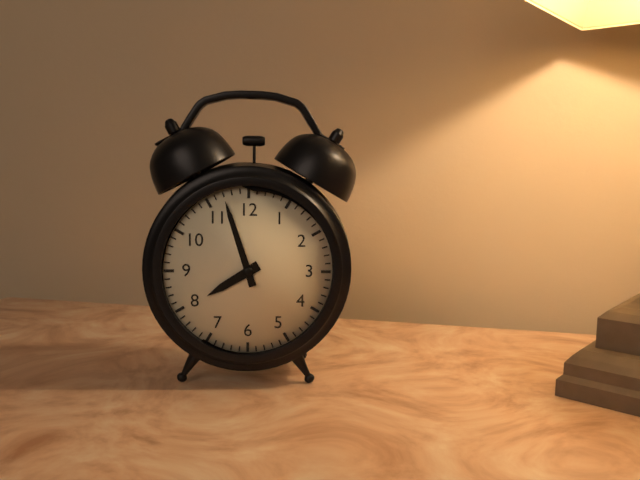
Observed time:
h=7 m=57
